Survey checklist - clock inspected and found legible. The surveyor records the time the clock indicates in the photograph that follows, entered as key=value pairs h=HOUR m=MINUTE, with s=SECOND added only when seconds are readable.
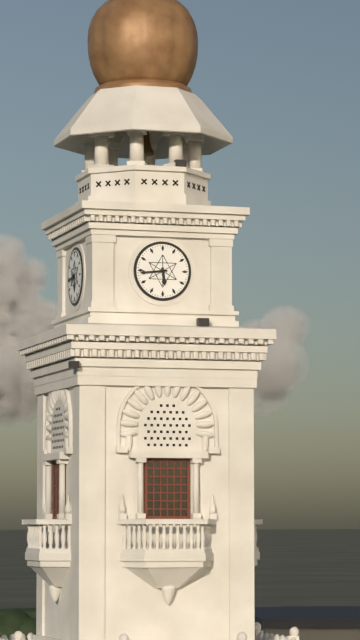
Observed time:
h=5 m=44
